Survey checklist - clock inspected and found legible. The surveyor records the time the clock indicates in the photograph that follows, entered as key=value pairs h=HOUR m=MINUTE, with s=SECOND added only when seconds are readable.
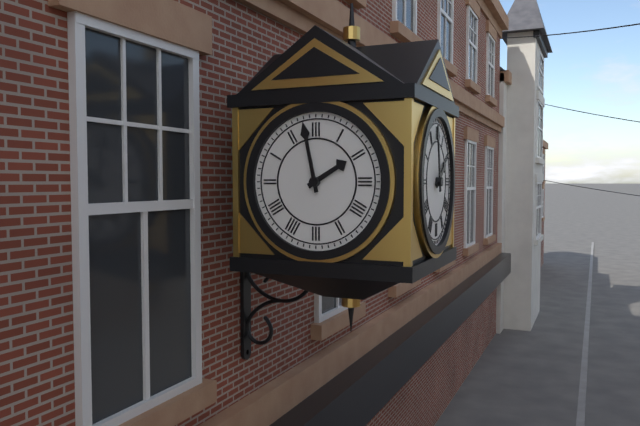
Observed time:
h=1 m=58
